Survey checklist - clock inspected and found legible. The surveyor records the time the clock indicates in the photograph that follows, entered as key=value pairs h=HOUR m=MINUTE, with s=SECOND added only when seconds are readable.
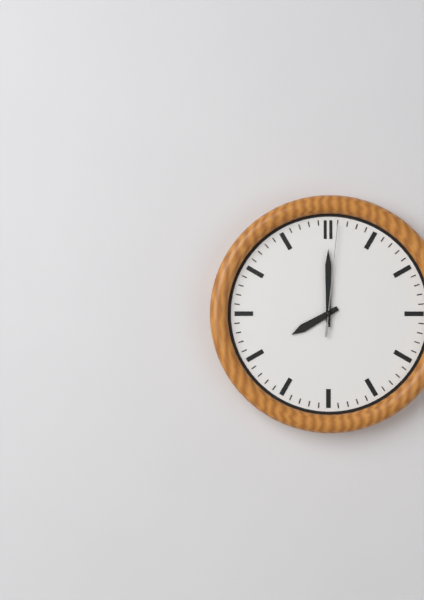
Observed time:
h=8 m=0 s=1
